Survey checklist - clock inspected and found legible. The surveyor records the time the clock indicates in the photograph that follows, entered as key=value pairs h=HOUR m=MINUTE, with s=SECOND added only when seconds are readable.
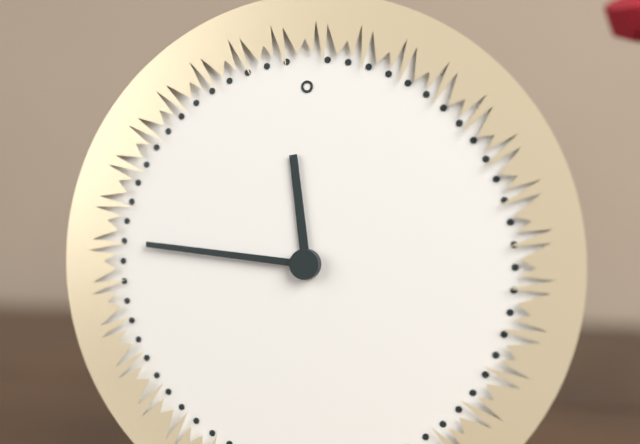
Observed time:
h=11 m=46
